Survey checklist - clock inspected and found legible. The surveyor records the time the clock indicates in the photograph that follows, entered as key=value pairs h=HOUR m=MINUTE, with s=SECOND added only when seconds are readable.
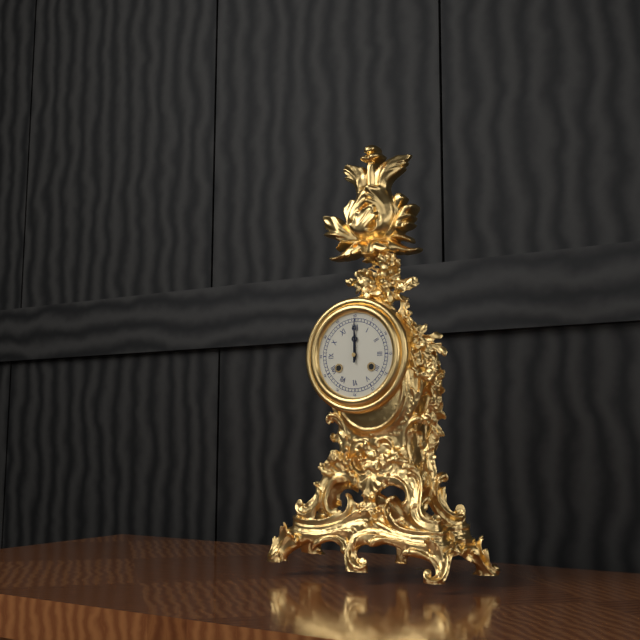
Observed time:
h=12 m=0
